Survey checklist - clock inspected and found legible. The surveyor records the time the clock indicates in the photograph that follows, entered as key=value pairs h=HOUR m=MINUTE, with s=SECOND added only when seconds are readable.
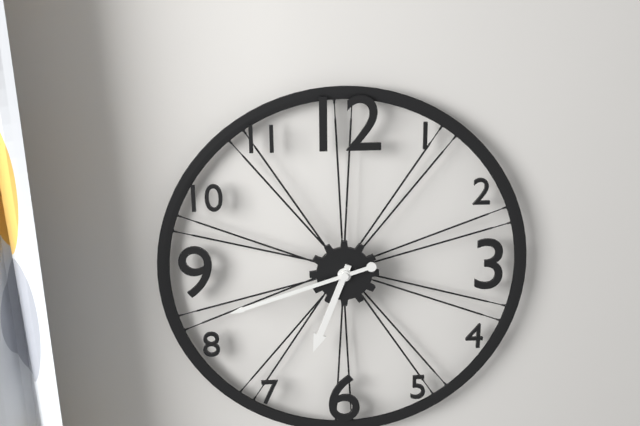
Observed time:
h=6 m=42
